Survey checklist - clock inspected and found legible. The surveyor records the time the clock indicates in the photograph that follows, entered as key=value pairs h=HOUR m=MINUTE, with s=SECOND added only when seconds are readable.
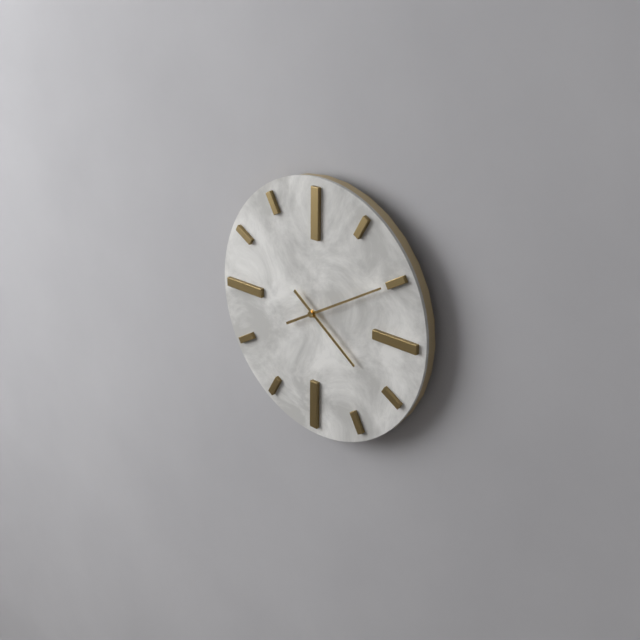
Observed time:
h=4 m=10
